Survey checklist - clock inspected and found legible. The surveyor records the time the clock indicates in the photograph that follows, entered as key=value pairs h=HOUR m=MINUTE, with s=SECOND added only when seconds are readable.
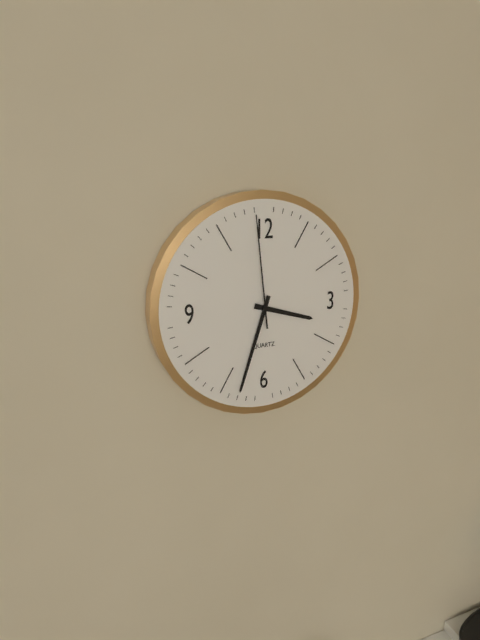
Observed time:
h=3 m=33 s=59
